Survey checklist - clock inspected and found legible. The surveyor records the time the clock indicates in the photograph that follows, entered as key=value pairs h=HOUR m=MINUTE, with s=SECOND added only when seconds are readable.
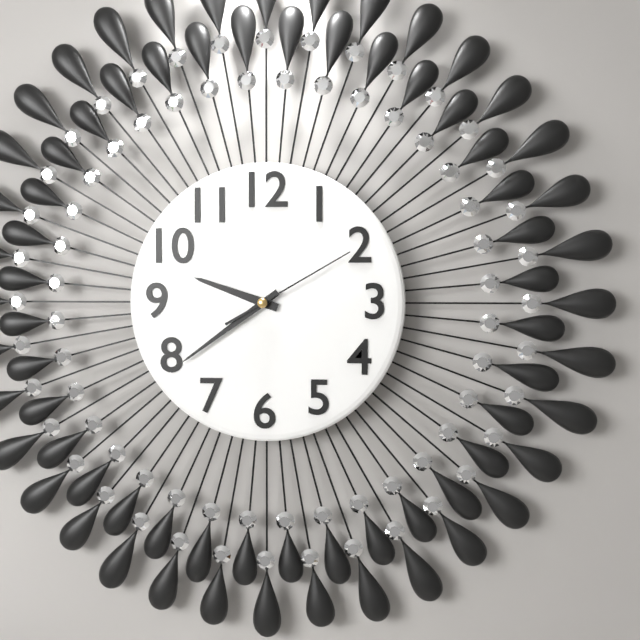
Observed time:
h=9 m=39 s=10
